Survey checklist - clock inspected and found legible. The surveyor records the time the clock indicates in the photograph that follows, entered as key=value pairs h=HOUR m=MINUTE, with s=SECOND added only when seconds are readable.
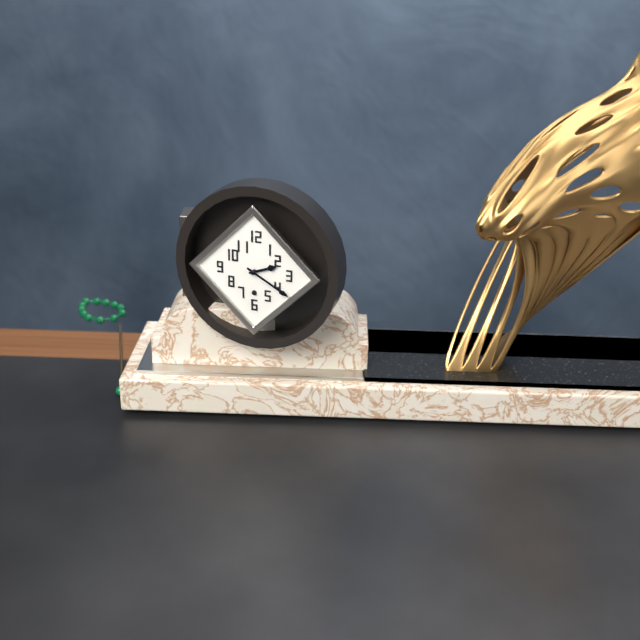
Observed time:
h=2 m=20
